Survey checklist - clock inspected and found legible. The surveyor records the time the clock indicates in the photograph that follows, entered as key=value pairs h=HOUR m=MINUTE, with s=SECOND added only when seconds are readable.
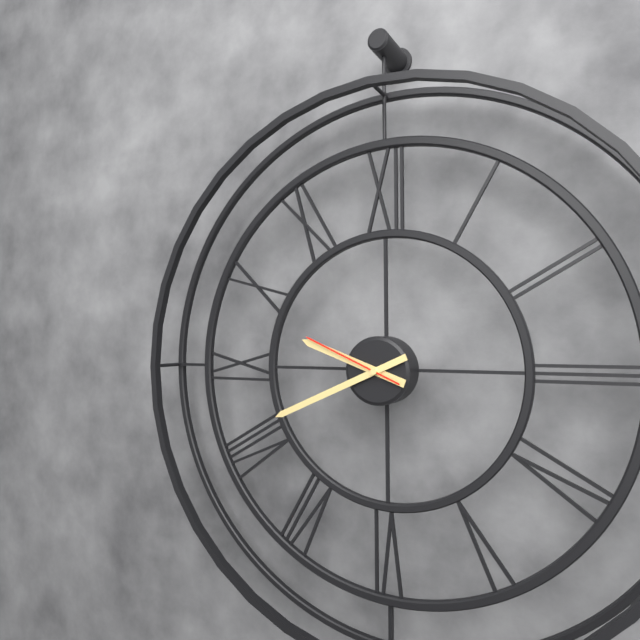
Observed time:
h=9 m=41 s=49
